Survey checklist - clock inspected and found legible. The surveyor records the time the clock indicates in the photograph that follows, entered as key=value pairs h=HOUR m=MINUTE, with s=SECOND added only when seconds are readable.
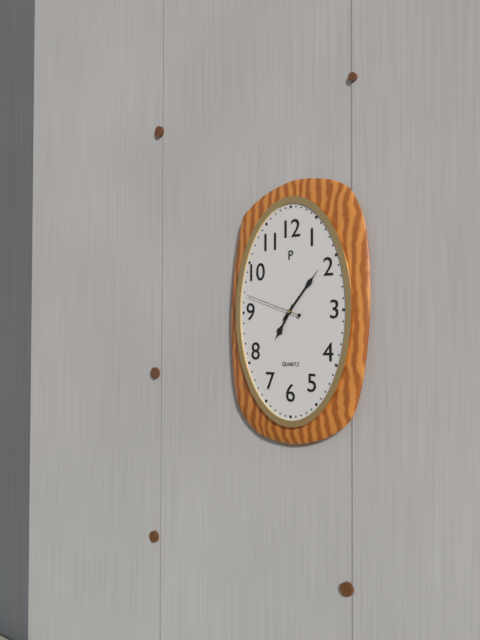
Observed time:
h=7 m=7 s=48
